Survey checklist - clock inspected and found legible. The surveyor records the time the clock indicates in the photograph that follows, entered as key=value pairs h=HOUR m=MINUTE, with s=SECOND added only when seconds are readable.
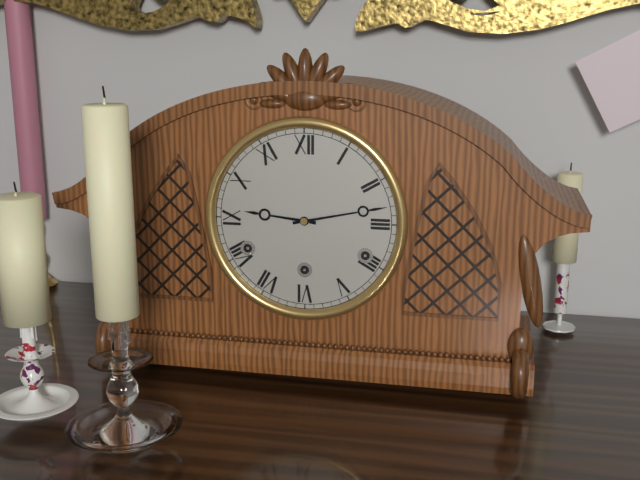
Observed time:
h=9 m=13
